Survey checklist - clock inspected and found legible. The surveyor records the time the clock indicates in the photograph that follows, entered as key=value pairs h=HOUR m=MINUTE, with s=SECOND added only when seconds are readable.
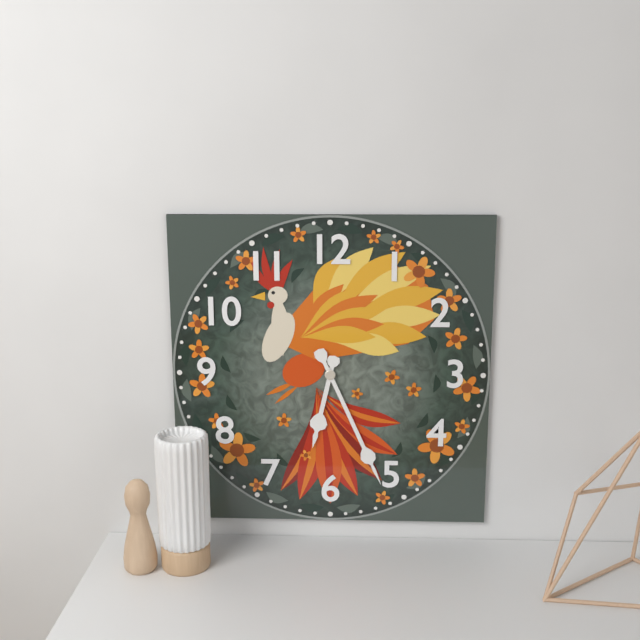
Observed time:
h=6 m=26
